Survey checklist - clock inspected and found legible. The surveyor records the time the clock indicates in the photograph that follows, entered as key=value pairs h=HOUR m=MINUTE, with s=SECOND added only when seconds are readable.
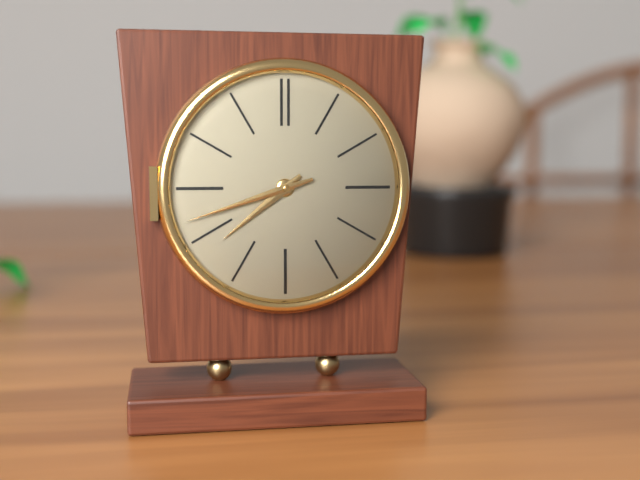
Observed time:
h=7 m=42
